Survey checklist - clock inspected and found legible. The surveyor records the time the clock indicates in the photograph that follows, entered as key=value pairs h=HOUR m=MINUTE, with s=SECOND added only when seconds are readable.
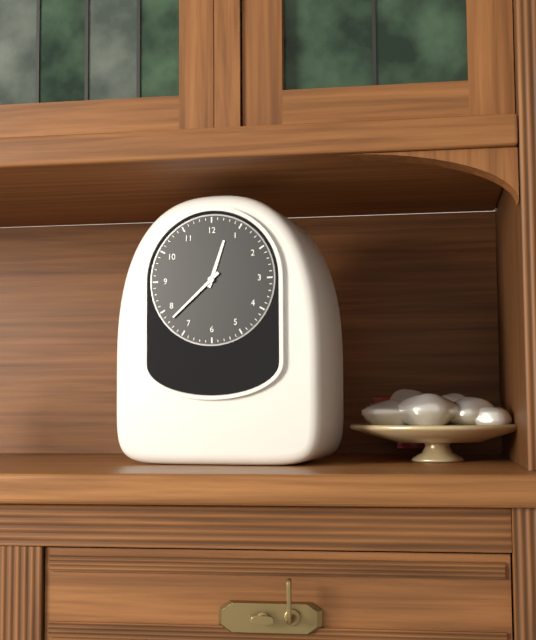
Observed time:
h=12 m=38
